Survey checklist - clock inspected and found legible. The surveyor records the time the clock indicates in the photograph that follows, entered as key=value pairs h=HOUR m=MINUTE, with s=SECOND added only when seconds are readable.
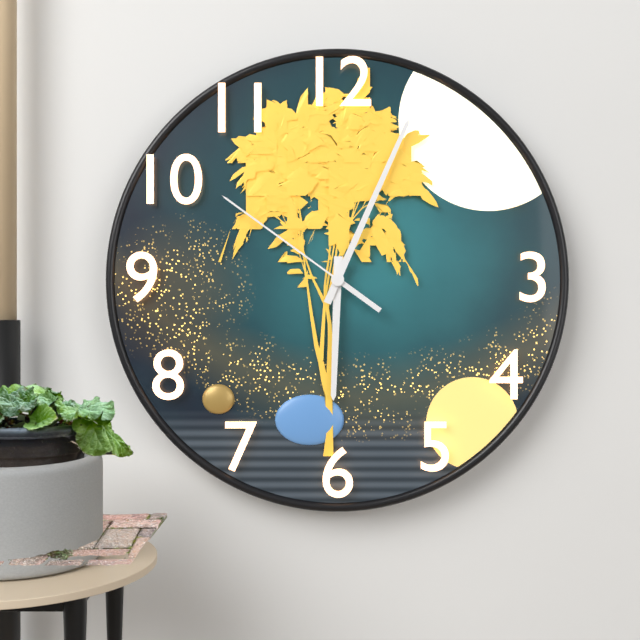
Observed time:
h=6 m=4 s=51
